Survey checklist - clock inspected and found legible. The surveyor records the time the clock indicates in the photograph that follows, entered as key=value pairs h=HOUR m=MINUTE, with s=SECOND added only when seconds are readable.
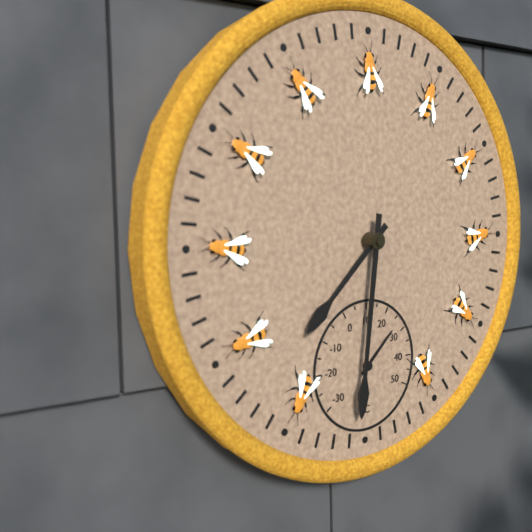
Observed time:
h=7 m=31
